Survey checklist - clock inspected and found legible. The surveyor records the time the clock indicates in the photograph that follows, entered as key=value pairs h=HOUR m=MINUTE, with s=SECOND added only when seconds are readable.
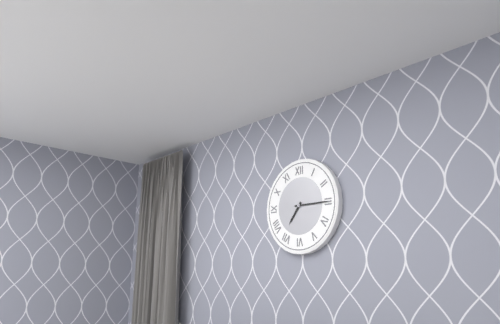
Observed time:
h=7 m=15
